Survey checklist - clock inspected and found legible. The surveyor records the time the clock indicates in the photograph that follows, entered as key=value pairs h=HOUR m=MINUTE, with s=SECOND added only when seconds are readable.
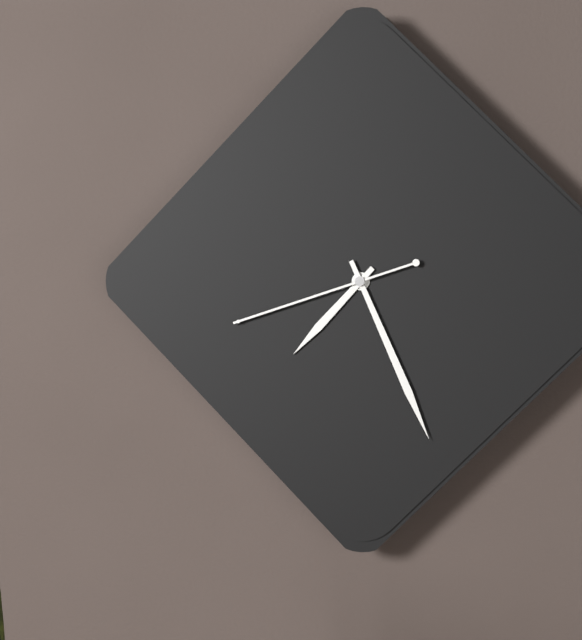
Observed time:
h=7 m=26 s=42
